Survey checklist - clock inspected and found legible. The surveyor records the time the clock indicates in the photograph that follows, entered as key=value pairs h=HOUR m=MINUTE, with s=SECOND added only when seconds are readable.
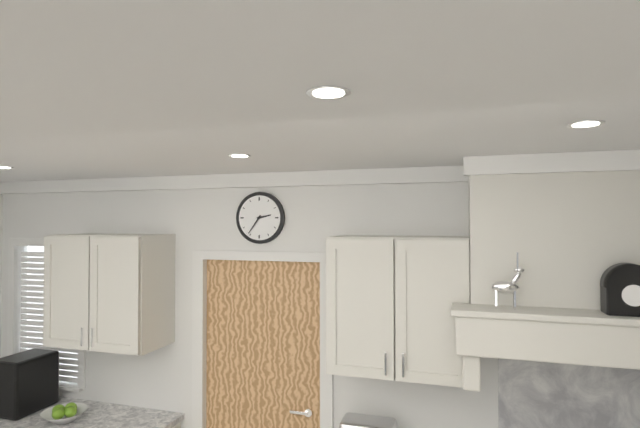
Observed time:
h=2 m=36
